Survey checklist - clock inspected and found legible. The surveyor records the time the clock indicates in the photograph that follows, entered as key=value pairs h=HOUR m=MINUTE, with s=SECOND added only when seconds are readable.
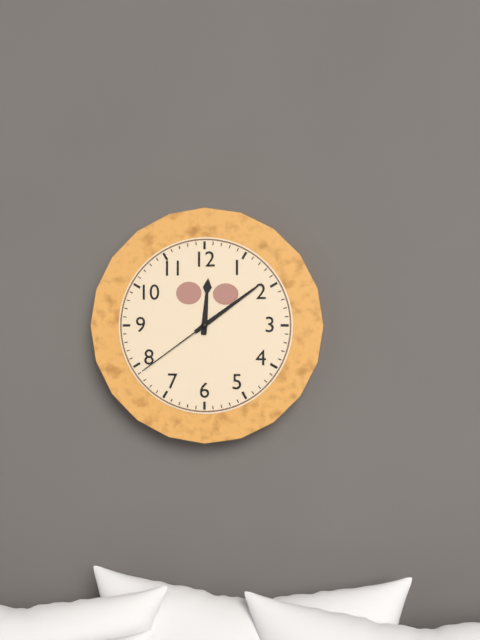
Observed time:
h=12 m=9 s=39
